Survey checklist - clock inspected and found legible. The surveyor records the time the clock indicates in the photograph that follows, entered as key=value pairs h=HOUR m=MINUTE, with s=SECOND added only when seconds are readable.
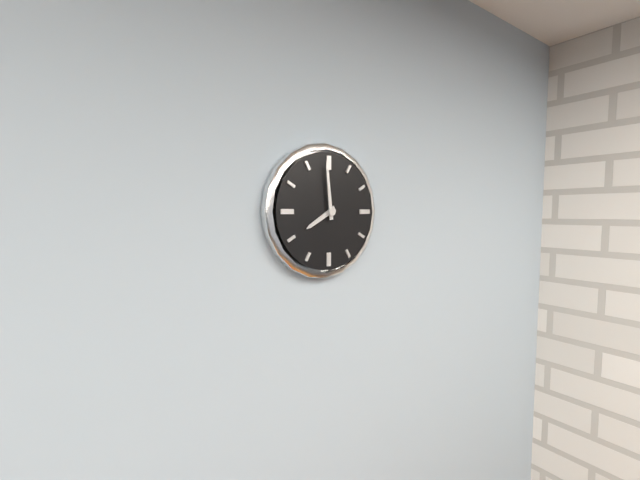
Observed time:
h=7 m=59
